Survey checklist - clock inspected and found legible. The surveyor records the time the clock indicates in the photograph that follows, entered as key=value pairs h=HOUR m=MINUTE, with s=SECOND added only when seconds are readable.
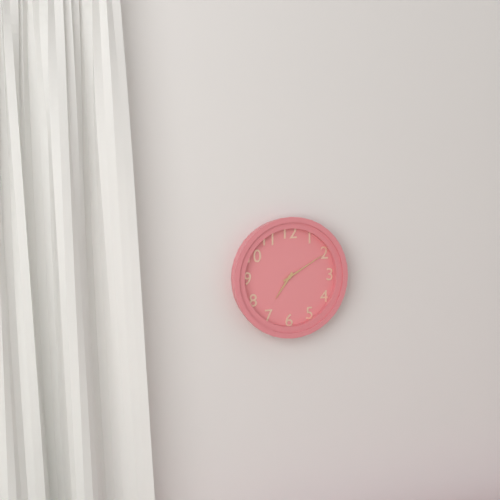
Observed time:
h=7 m=10
